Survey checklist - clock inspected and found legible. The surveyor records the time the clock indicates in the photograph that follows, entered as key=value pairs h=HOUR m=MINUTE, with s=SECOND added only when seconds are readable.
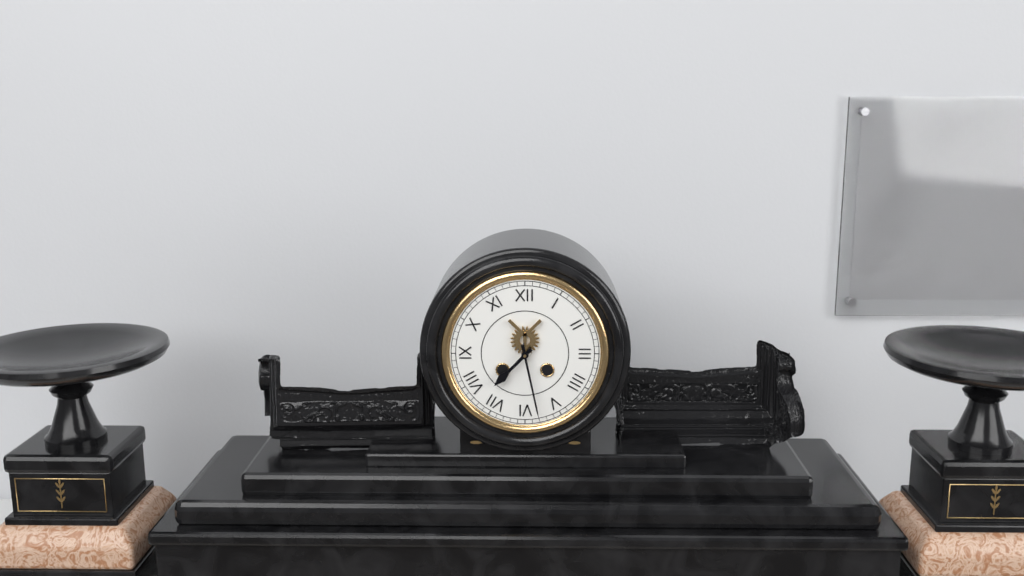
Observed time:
h=7 m=28
